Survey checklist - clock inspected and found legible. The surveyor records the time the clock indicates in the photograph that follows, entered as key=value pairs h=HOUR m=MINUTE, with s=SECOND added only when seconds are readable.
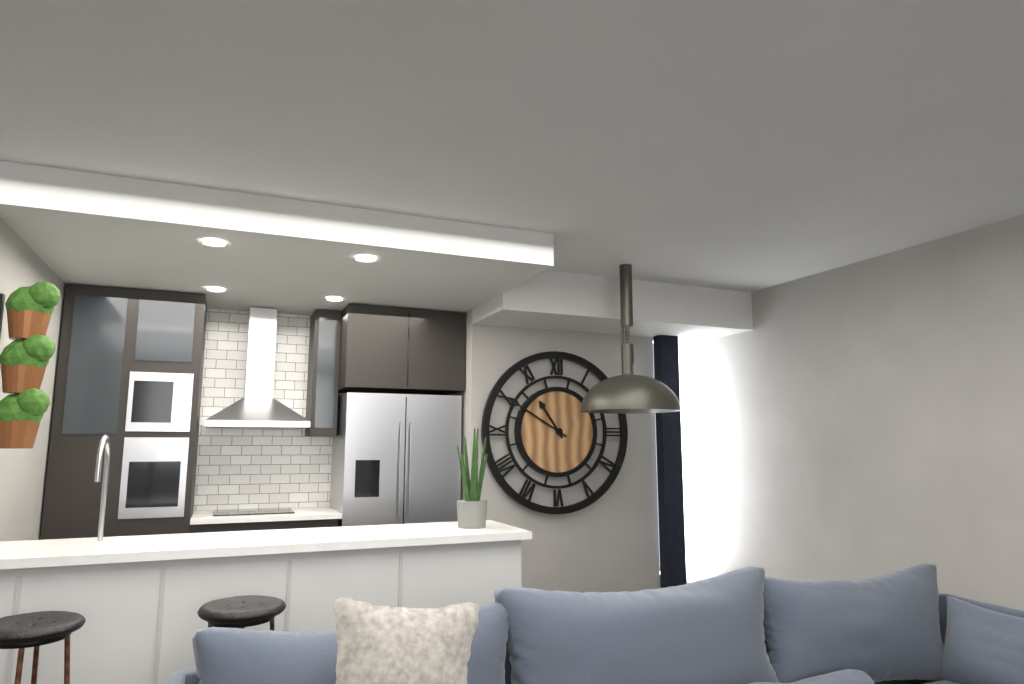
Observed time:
h=10 m=50
